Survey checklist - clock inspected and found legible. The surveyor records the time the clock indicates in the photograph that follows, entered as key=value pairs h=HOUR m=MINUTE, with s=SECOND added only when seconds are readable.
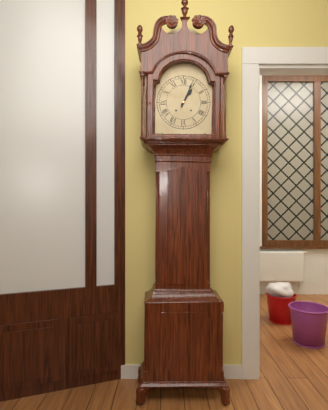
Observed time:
h=1 m=4
